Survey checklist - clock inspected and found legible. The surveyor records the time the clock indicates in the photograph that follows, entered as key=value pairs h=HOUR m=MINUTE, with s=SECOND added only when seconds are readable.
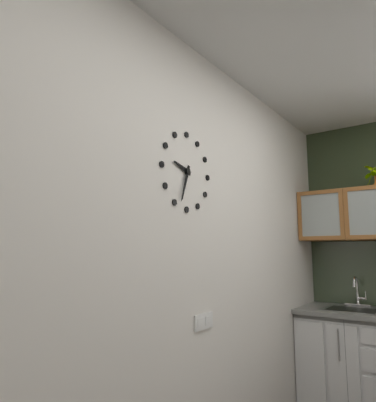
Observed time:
h=9 m=33
